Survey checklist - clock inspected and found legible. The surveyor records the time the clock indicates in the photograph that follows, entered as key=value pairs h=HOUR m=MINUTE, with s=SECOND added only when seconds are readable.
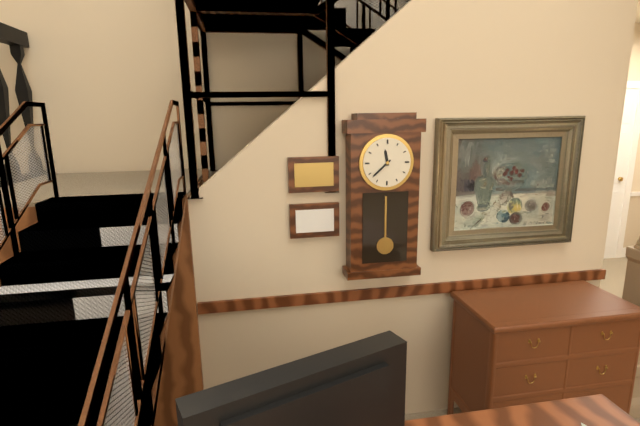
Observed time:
h=11 m=38
